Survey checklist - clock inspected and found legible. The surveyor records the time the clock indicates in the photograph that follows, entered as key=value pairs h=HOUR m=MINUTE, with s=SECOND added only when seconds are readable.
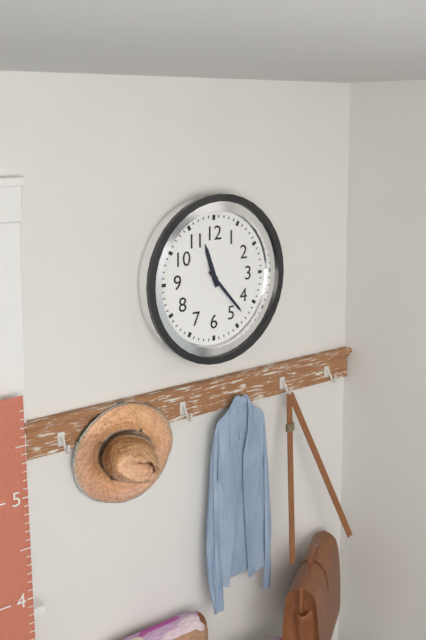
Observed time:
h=11 m=23
